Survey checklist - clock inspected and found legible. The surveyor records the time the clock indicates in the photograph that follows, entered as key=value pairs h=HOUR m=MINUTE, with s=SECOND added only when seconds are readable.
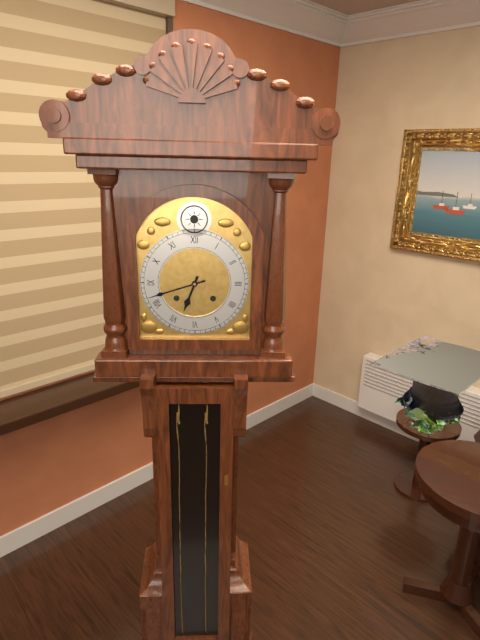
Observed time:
h=6 m=42
